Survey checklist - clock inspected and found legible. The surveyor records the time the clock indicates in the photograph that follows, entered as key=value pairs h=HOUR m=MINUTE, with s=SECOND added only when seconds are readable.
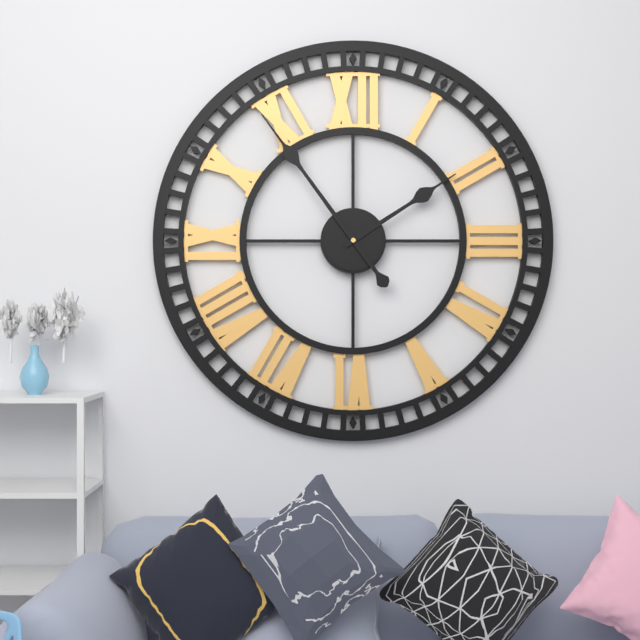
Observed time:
h=1 m=54
